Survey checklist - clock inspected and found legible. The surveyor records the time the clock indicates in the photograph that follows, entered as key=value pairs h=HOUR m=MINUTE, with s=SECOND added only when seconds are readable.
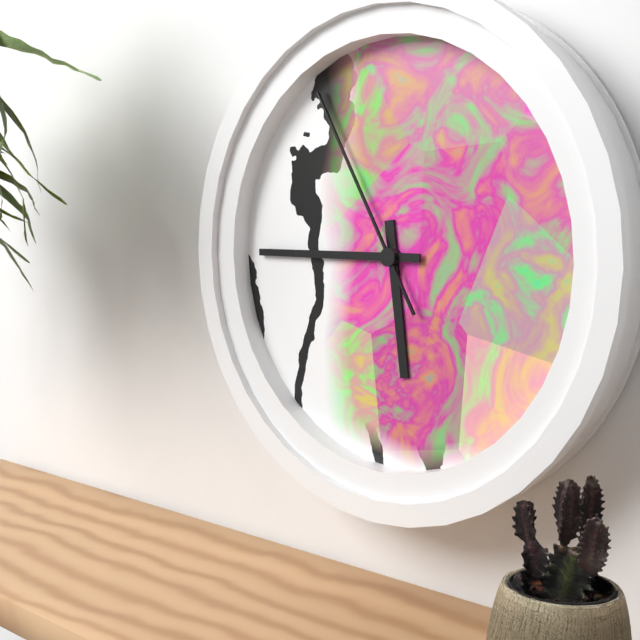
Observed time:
h=5 m=45 s=55
